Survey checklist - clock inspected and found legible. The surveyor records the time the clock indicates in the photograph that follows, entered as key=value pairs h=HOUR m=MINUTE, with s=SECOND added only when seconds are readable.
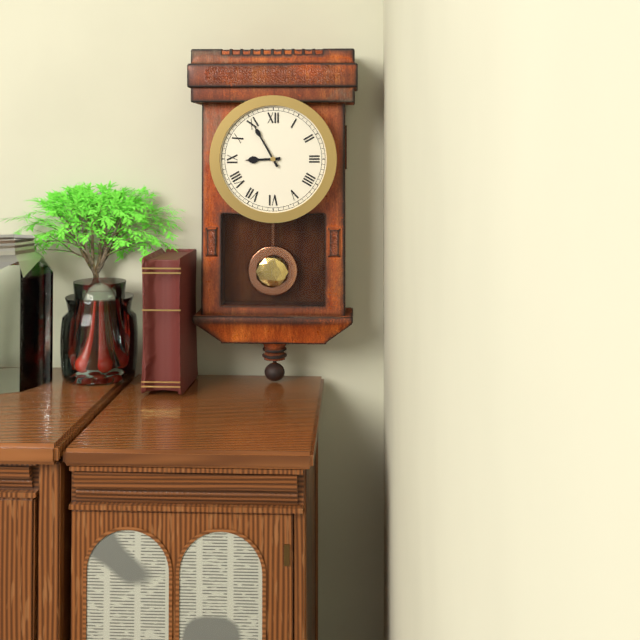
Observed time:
h=8 m=55
